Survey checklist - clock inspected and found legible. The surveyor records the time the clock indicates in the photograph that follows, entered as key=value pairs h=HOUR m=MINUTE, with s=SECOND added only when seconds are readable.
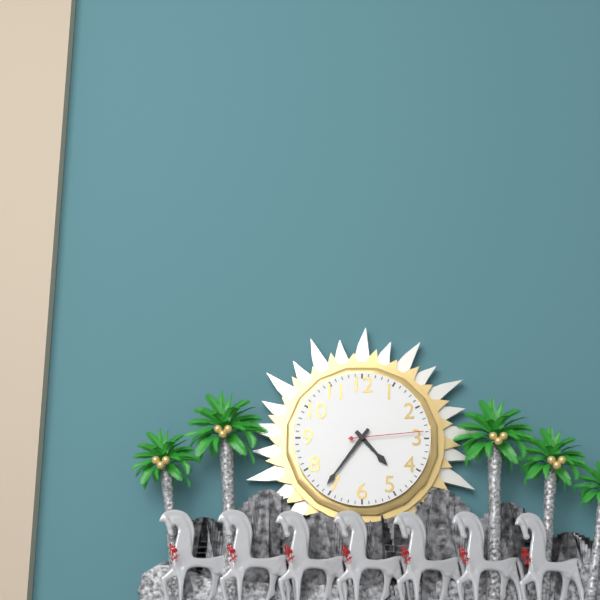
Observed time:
h=4 m=36 s=14
